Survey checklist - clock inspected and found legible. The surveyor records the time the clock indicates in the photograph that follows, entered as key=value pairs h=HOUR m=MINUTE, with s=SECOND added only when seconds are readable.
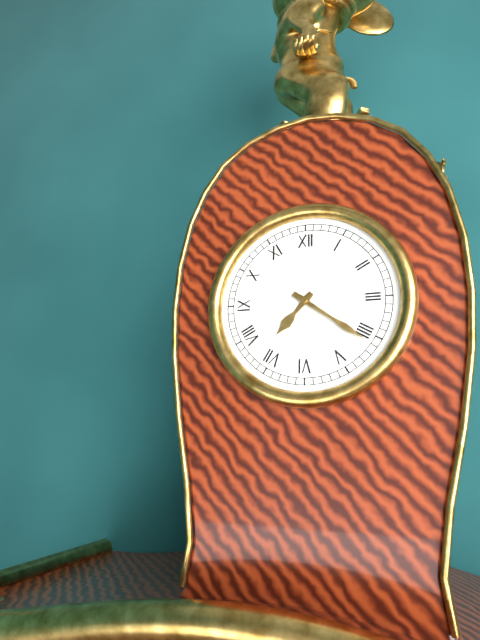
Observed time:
h=7 m=21
